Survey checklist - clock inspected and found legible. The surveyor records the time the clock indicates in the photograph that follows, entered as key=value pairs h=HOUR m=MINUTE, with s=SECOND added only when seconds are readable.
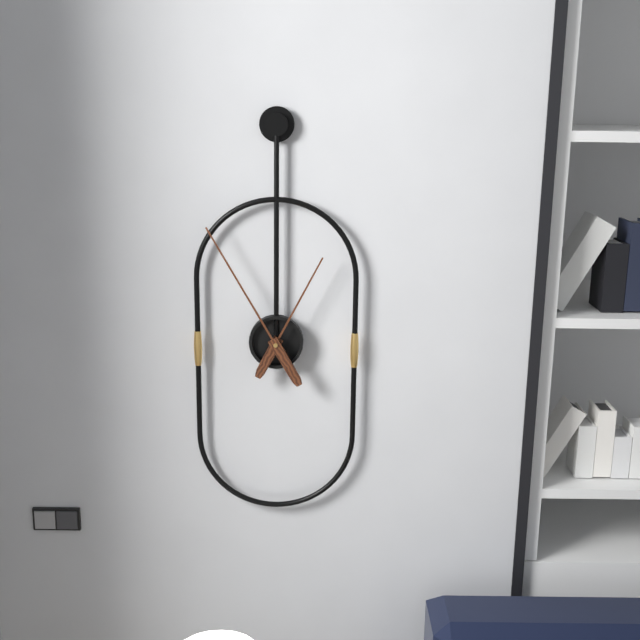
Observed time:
h=12 m=55
